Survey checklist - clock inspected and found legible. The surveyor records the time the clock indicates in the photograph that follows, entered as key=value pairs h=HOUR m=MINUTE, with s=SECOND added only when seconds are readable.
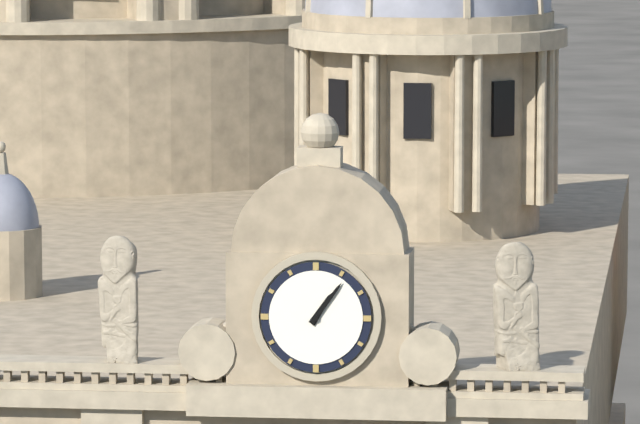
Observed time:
h=1 m=6
